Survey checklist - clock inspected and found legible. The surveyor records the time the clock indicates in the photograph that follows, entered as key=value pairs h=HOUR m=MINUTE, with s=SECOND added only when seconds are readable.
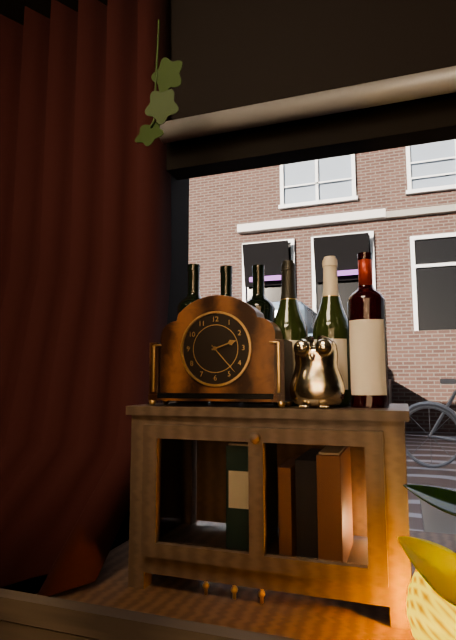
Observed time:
h=2 m=23
